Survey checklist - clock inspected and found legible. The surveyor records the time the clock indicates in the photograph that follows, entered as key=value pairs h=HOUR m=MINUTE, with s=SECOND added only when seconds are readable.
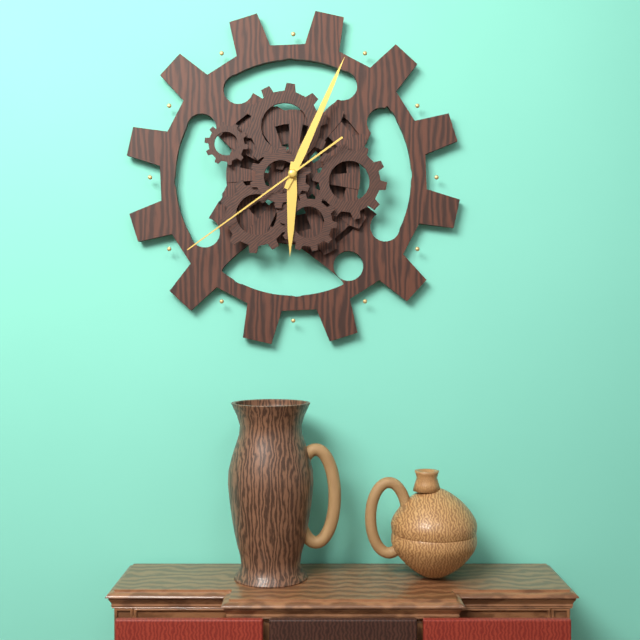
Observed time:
h=6 m=4 s=39
